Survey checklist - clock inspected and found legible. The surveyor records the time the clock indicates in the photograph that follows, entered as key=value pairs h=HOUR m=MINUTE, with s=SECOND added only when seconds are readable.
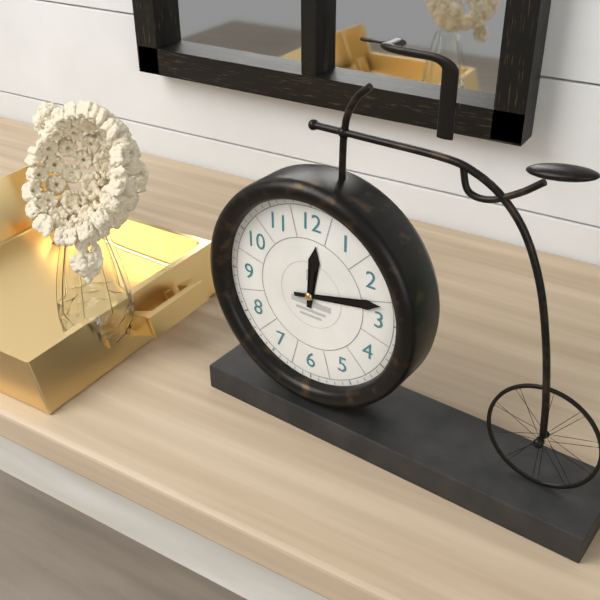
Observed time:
h=12 m=13
